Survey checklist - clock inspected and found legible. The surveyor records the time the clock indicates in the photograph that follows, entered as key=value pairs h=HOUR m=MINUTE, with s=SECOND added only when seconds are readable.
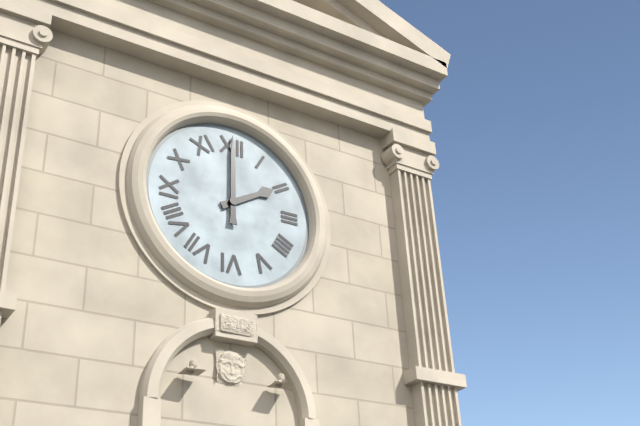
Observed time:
h=2 m=0
